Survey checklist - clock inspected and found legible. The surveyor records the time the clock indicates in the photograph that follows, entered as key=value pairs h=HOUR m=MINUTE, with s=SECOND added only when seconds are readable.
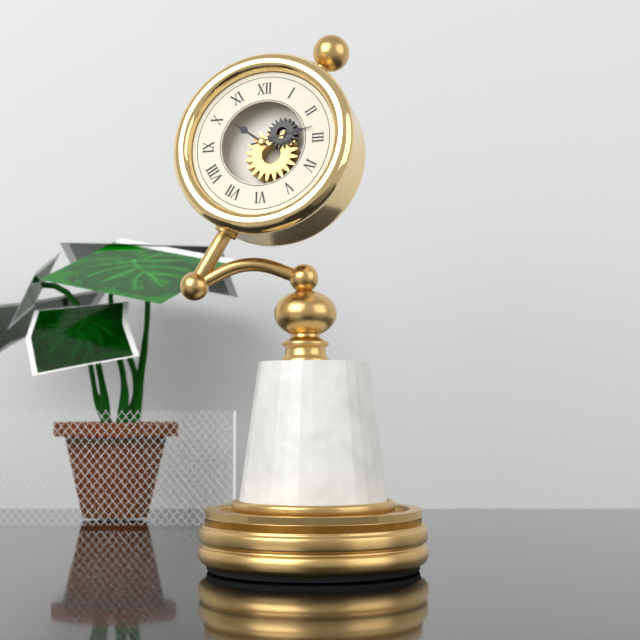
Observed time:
h=10 m=13
